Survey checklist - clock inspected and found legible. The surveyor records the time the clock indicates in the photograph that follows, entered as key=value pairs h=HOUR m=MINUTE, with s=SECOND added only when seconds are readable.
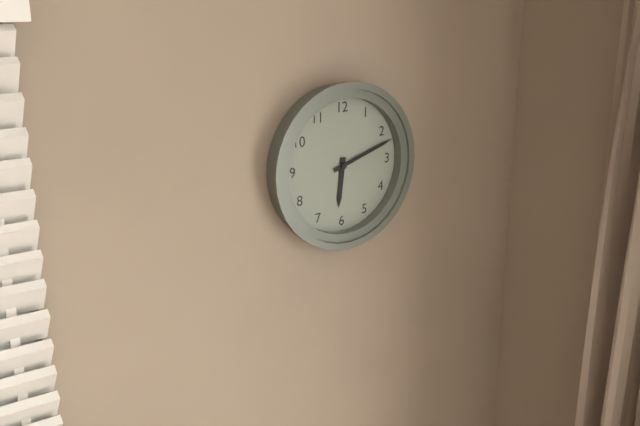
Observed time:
h=6 m=12
